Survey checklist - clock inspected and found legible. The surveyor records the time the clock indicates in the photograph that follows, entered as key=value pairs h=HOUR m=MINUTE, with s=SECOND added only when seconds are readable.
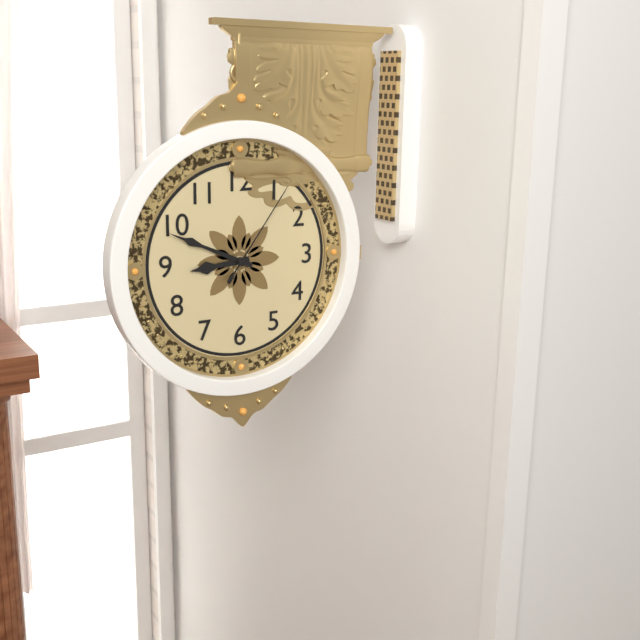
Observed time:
h=8 m=49 s=6
